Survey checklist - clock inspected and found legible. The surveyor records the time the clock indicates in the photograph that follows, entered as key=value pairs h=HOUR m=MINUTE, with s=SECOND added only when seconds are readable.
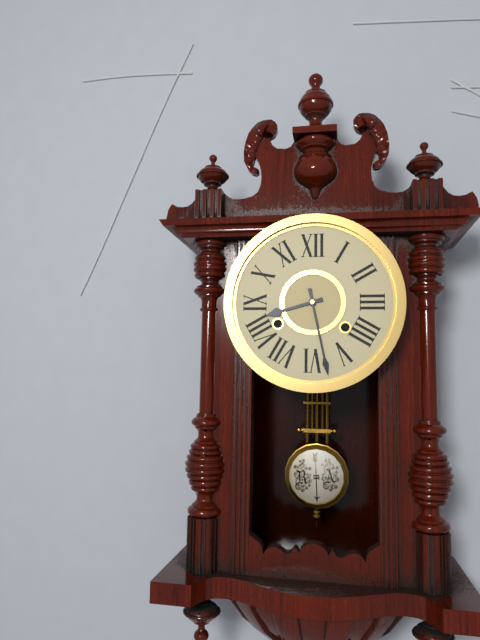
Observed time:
h=8 m=28
